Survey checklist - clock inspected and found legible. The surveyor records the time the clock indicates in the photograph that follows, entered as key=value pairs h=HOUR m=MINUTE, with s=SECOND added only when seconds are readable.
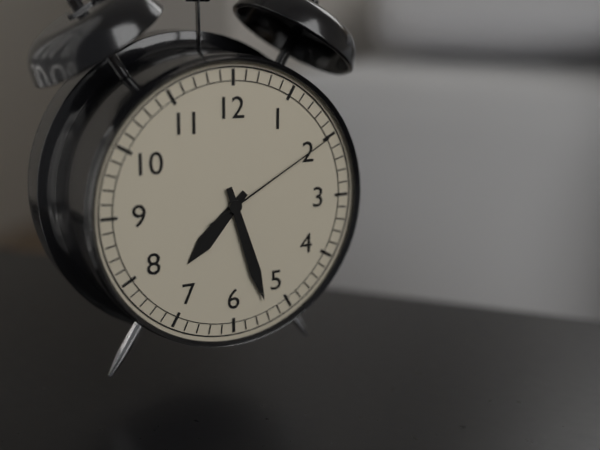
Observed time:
h=7 m=27 s=10
